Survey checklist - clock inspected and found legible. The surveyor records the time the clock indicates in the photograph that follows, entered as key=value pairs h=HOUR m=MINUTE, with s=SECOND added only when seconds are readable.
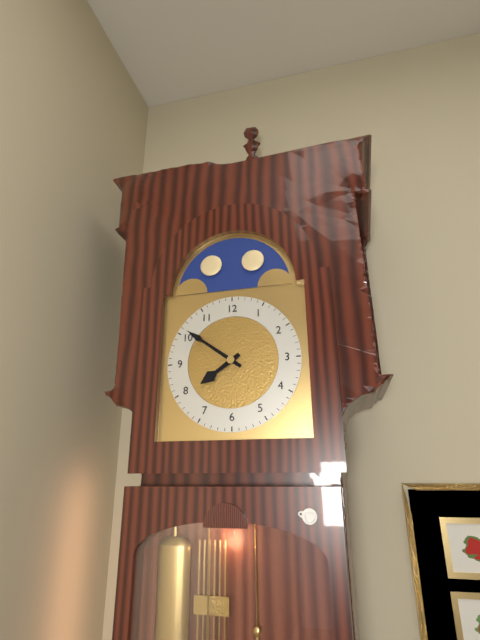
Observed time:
h=7 m=51
